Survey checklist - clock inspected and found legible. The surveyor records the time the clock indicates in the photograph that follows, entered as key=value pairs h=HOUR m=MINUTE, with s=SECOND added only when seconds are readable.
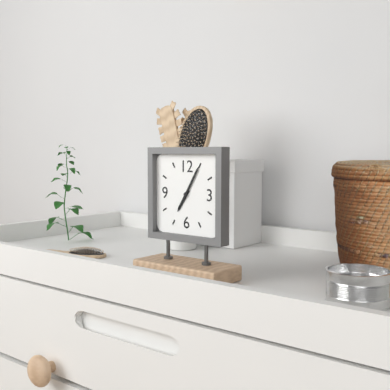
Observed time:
h=7 m=5
